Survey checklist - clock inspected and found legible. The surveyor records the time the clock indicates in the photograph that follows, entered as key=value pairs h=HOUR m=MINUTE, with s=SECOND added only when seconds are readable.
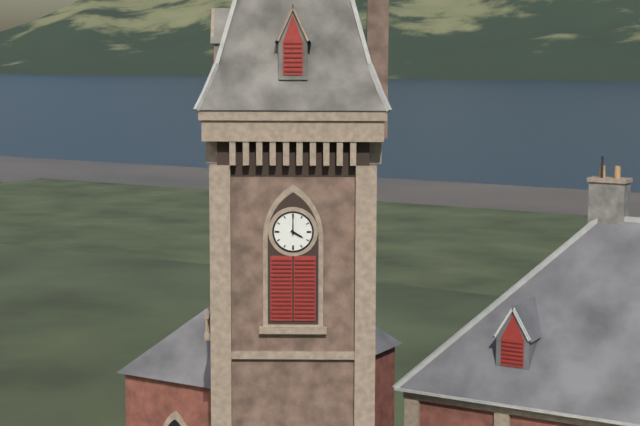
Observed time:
h=4 m=0
